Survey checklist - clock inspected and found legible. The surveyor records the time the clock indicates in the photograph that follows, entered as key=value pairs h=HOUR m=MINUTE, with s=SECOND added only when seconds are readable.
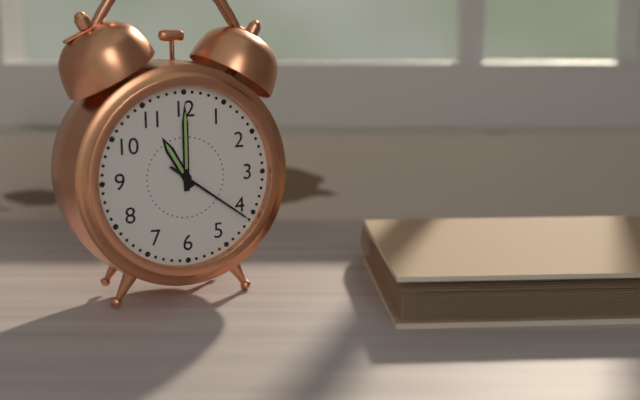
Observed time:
h=11 m=0 s=21
